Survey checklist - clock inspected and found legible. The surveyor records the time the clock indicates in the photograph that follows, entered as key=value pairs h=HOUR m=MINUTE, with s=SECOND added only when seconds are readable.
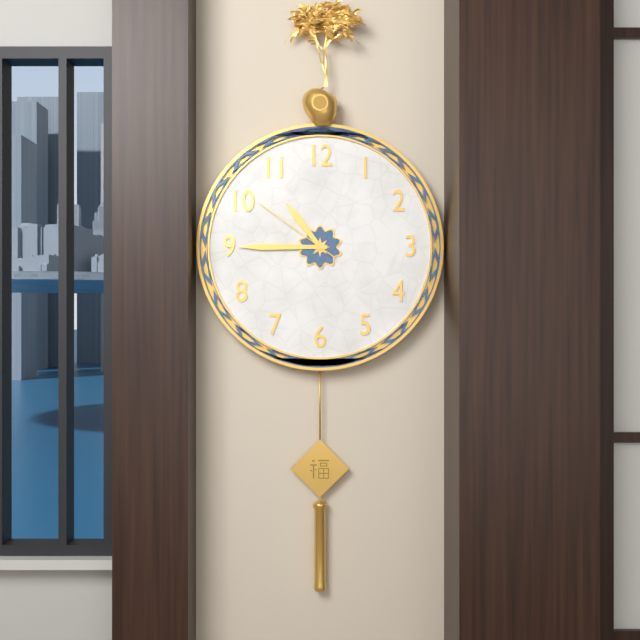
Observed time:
h=10 m=45 s=51
